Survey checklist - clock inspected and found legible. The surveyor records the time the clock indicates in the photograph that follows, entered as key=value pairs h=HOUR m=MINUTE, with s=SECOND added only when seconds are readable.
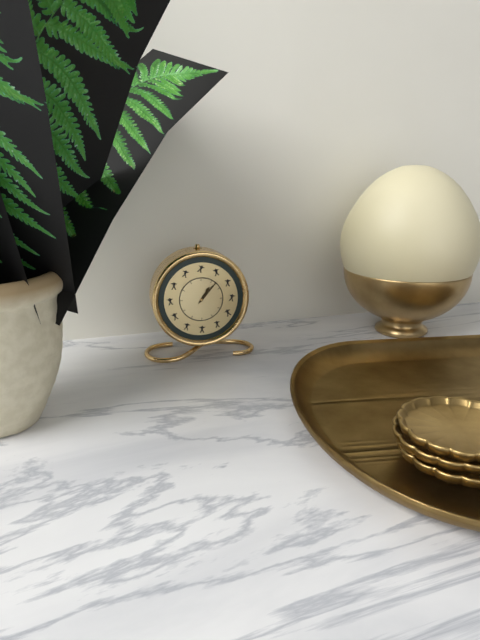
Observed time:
h=1 m=7
